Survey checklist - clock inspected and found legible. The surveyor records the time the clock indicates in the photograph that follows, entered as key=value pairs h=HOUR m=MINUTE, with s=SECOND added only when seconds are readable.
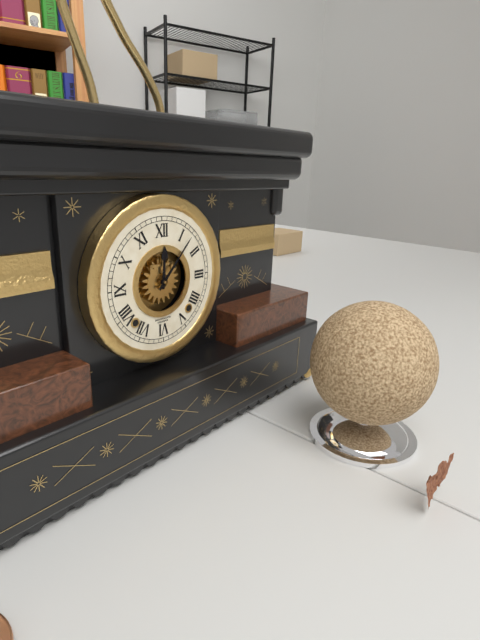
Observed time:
h=12 m=7
